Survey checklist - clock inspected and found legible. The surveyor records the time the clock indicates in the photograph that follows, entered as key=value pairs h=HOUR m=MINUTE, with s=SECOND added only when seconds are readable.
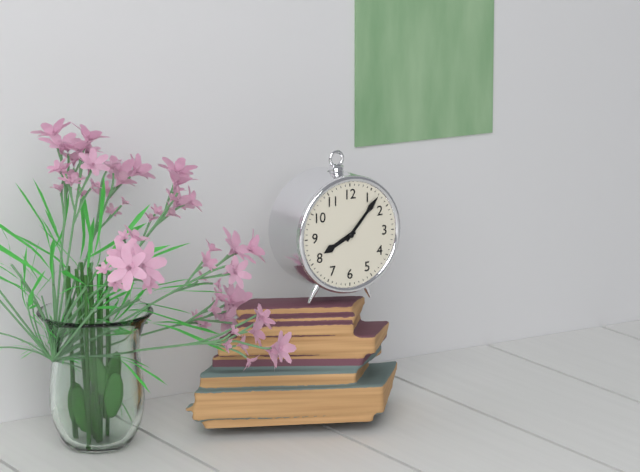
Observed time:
h=8 m=7
